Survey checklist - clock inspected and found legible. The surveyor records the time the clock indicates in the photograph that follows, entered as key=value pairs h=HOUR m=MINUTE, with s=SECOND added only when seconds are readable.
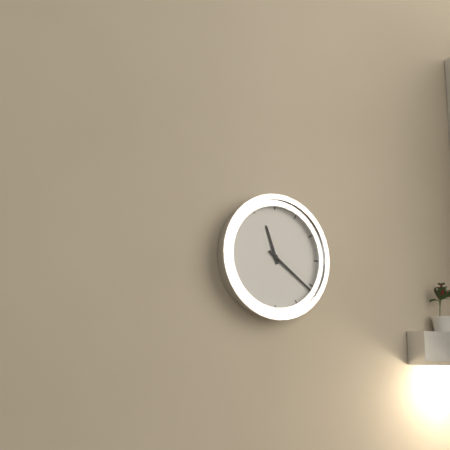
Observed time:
h=11 m=21
